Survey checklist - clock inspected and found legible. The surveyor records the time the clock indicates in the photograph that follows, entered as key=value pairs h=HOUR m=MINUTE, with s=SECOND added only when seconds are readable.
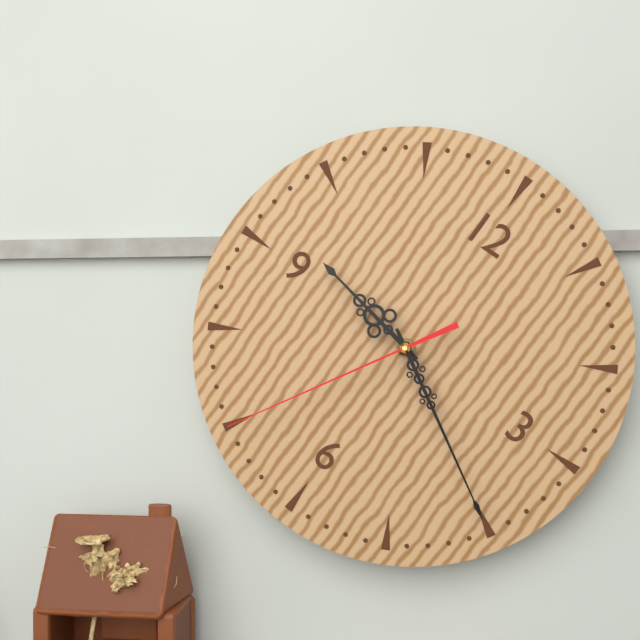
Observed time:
h=9 m=20 s=35
